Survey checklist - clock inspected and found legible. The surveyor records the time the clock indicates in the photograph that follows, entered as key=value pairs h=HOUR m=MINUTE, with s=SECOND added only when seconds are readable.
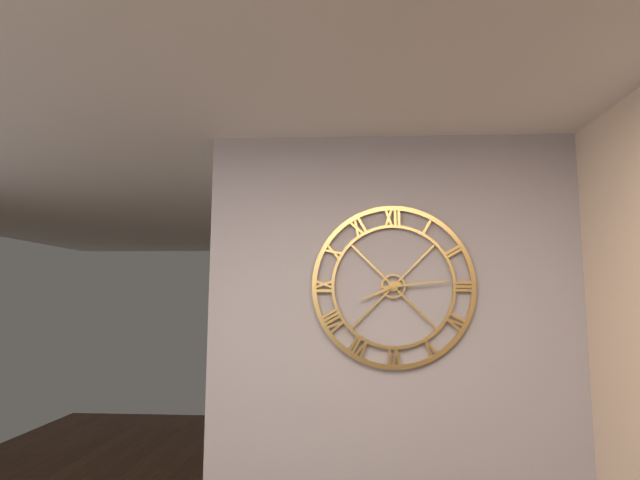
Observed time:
h=8 m=14
